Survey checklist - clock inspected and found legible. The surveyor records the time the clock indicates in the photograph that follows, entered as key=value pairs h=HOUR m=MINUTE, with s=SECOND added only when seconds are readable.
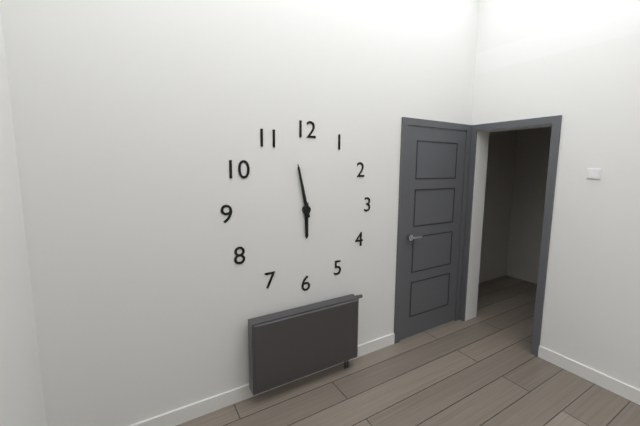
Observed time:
h=5 m=58
